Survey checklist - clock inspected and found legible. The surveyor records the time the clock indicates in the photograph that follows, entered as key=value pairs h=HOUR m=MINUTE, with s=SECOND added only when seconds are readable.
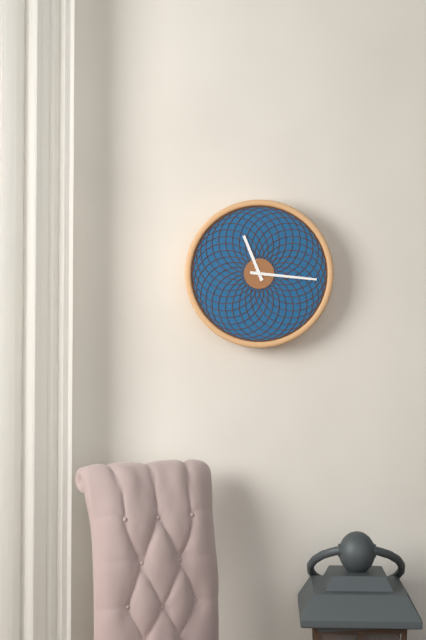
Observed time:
h=11 m=16
